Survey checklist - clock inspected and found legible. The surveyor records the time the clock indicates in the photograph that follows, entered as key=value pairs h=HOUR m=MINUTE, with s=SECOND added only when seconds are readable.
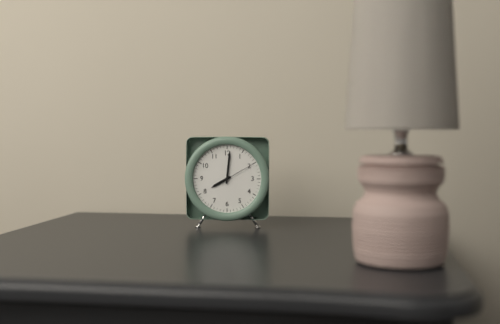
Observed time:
h=8 m=1
